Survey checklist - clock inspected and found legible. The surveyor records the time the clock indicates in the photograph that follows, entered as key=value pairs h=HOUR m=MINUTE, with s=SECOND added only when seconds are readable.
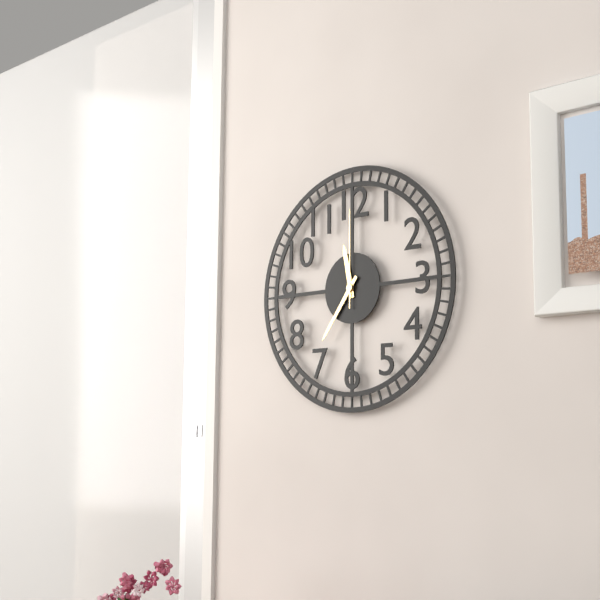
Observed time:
h=11 m=36 s=0
